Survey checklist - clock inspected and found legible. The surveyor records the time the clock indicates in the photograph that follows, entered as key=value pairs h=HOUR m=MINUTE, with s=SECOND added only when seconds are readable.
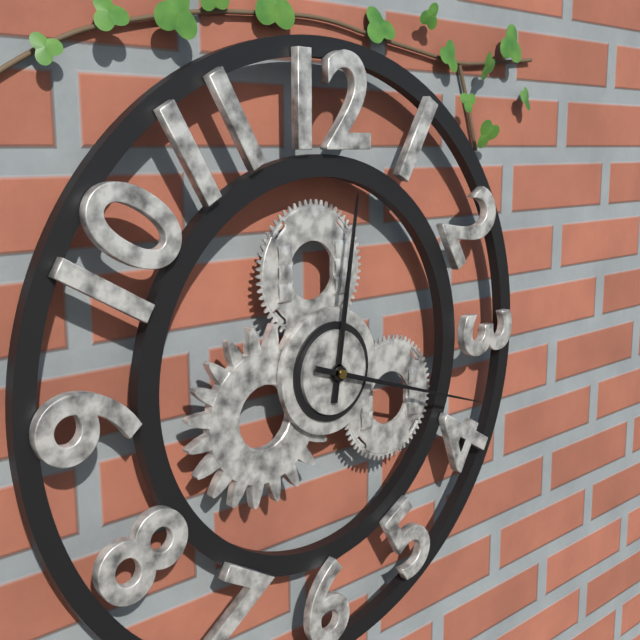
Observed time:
h=12 m=18
